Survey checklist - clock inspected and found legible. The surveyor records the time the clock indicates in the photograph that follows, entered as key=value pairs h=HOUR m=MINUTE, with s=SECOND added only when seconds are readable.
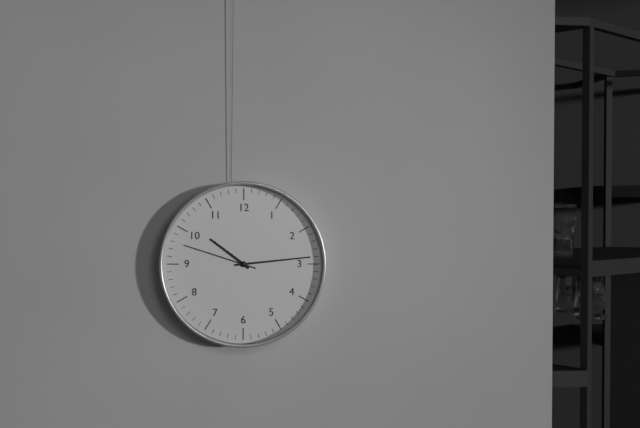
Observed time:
h=10 m=14 s=48
